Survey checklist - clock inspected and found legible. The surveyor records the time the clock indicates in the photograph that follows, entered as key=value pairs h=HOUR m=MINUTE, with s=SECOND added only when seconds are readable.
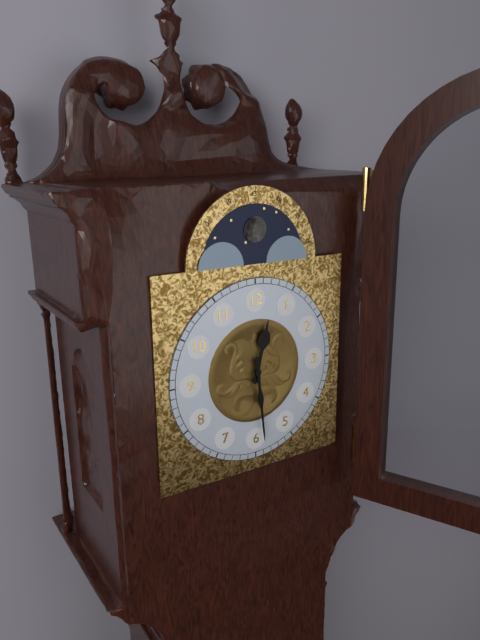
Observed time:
h=12 m=29
